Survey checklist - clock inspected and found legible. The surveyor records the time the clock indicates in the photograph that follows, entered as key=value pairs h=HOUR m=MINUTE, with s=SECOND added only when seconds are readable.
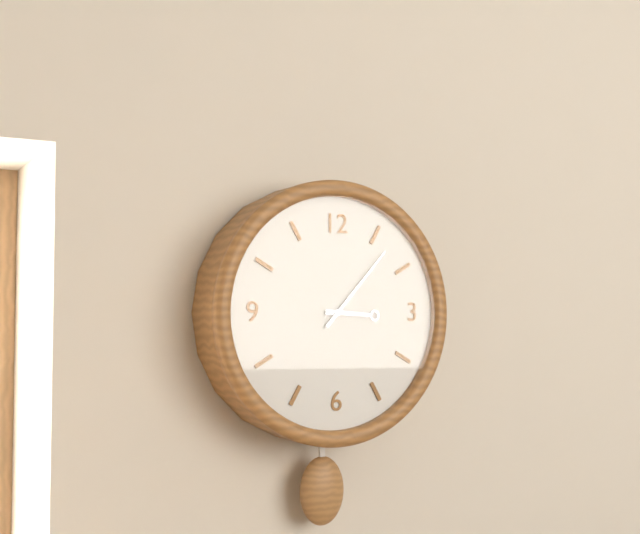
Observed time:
h=3 m=7
